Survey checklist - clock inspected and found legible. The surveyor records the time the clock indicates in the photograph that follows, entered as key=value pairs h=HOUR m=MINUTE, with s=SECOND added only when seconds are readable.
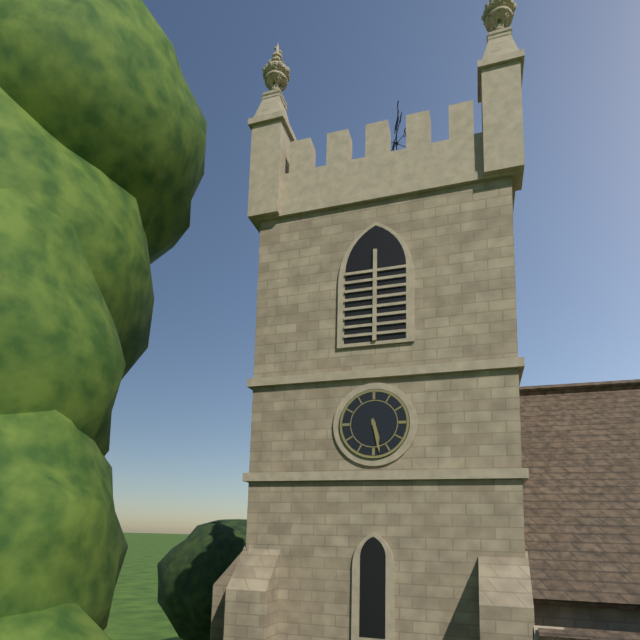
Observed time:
h=5 m=28
